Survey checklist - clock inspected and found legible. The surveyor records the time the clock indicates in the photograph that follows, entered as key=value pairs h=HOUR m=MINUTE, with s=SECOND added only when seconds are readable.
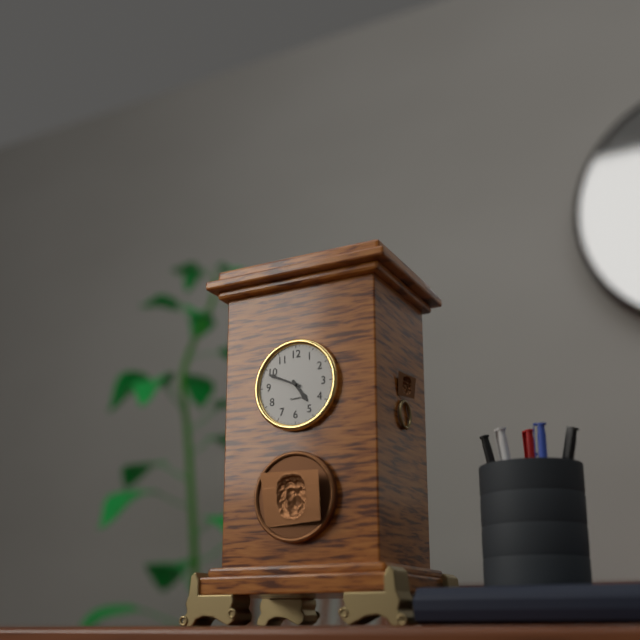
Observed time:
h=4 m=49
